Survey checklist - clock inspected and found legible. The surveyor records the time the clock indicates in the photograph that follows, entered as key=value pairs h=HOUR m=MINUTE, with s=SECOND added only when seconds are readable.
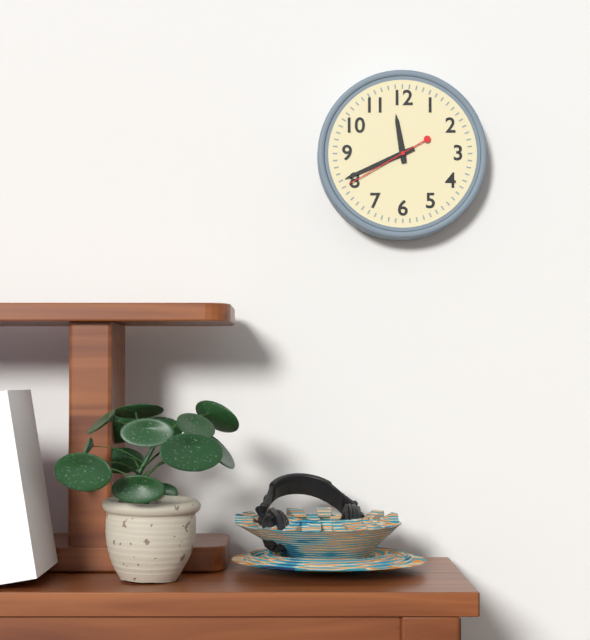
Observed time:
h=11 m=41 s=40
